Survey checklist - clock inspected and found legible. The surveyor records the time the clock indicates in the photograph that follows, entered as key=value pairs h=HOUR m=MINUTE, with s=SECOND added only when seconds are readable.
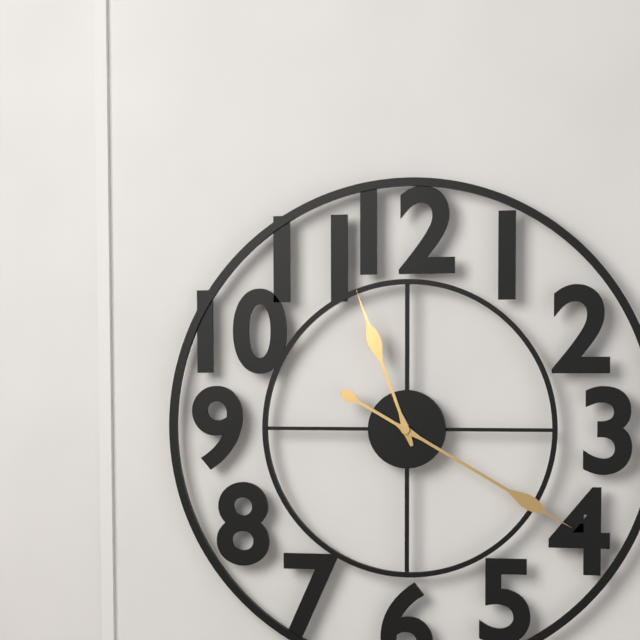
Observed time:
h=11 m=20
